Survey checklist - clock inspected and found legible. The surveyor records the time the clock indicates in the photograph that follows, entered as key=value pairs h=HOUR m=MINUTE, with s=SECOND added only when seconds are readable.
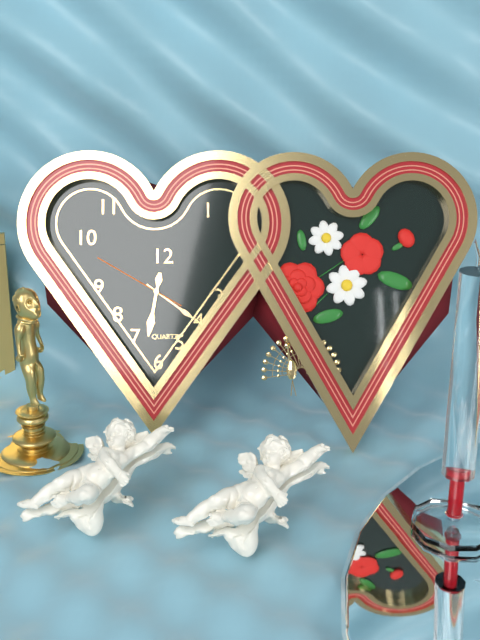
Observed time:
h=6 m=21 s=50
